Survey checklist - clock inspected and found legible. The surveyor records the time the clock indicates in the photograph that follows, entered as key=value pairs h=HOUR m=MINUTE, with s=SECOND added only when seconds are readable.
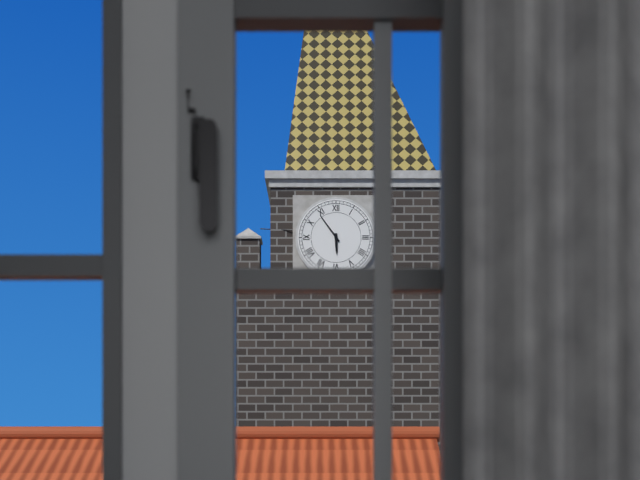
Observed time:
h=5 m=54
